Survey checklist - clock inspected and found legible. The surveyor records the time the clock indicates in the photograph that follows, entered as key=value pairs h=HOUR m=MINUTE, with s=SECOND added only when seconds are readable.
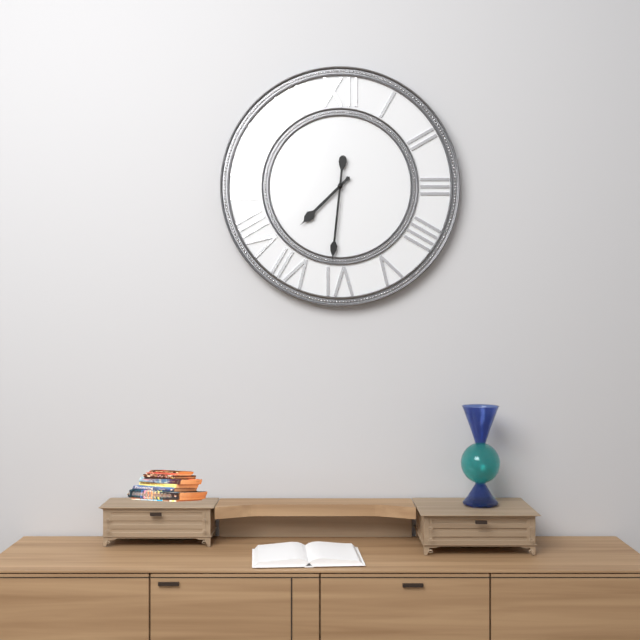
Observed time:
h=7 m=31
